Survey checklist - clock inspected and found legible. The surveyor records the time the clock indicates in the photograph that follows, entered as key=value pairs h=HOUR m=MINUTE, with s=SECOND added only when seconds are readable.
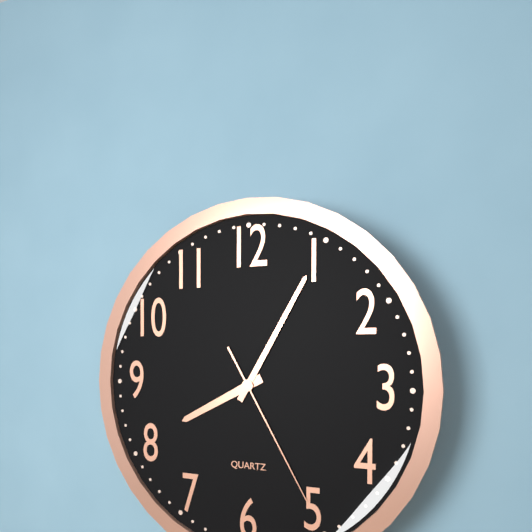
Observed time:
h=8 m=5 s=25
